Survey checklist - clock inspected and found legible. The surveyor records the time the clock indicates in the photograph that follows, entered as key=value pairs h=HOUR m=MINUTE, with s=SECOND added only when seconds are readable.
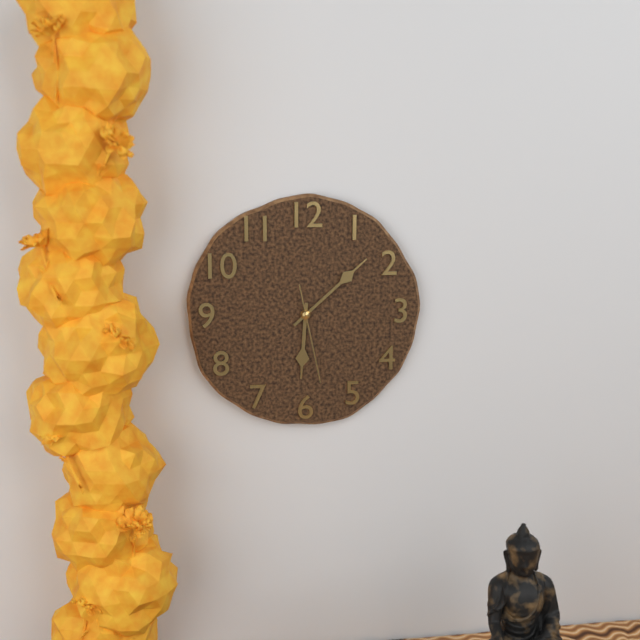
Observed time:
h=6 m=8 s=28
